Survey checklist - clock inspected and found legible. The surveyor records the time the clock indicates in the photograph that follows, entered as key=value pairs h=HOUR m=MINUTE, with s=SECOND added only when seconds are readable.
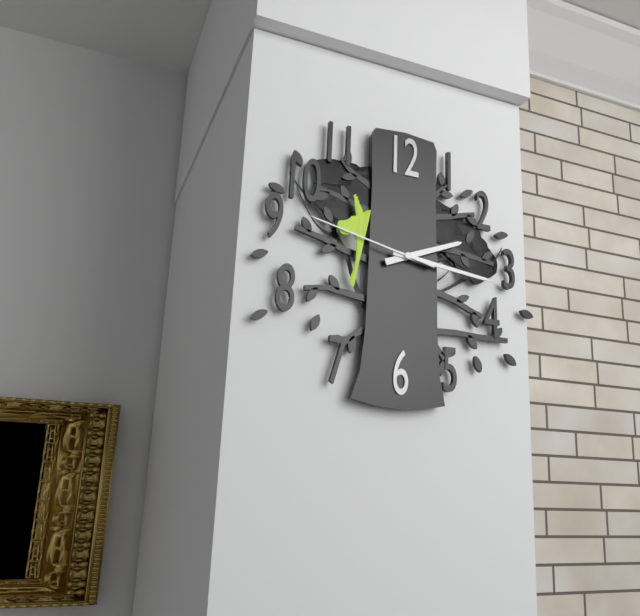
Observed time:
h=2 m=16 s=47
